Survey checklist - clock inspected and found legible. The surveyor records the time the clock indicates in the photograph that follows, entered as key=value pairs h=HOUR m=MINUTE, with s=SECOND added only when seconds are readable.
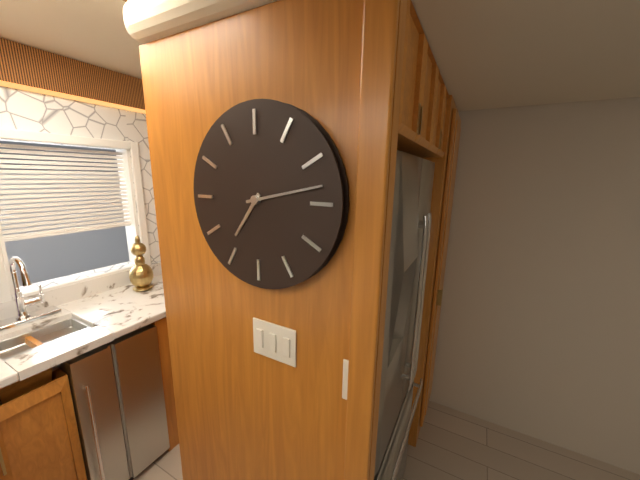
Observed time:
h=7 m=13
